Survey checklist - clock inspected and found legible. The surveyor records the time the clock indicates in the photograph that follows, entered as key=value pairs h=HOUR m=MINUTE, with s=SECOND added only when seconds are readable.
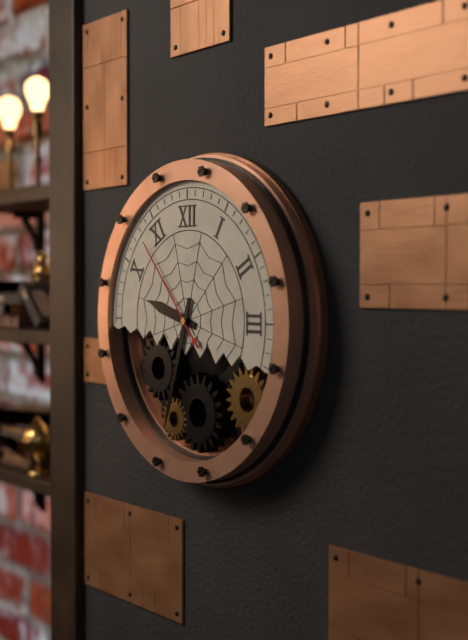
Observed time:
h=9 m=33 s=53
